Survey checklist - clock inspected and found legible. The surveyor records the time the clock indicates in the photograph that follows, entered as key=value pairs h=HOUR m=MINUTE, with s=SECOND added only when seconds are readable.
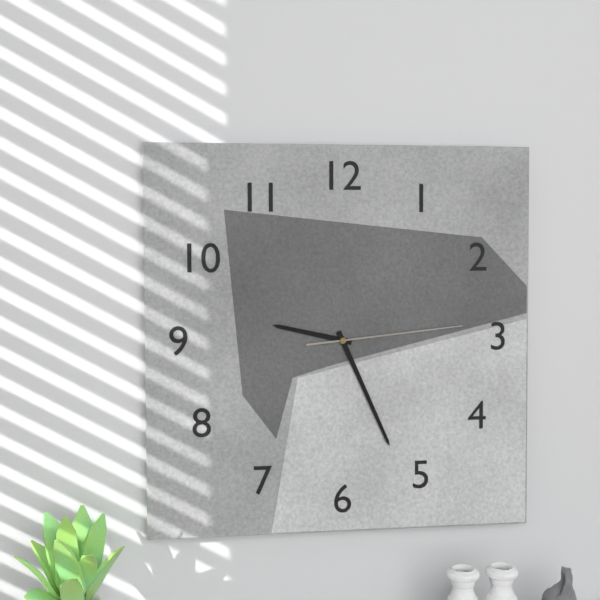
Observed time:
h=9 m=26 s=14
